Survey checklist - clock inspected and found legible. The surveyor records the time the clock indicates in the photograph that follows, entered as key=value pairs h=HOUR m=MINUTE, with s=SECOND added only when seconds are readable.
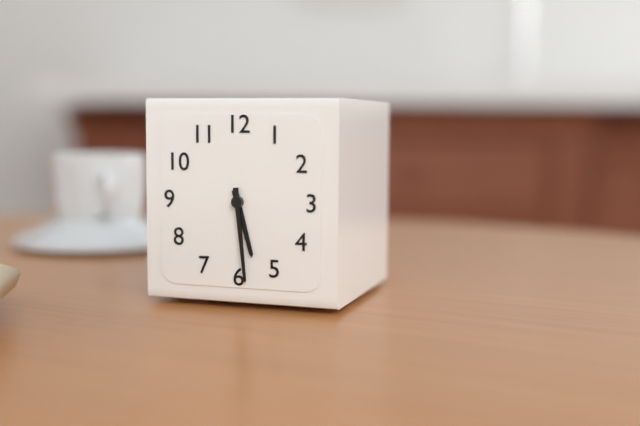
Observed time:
h=5 m=29
